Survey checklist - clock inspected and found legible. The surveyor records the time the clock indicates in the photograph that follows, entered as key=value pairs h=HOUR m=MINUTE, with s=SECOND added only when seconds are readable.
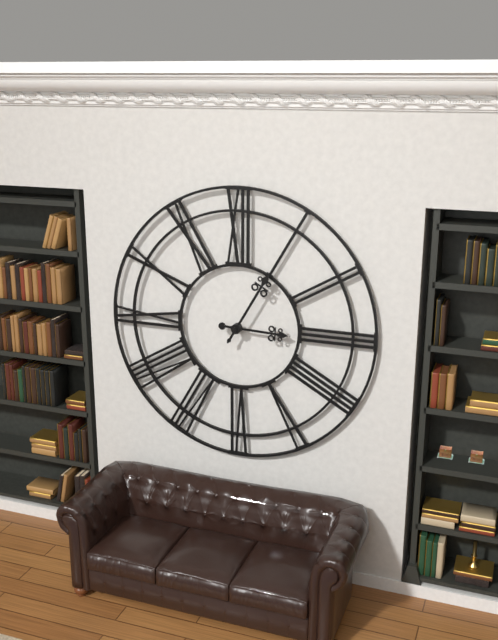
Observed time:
h=3 m=5
